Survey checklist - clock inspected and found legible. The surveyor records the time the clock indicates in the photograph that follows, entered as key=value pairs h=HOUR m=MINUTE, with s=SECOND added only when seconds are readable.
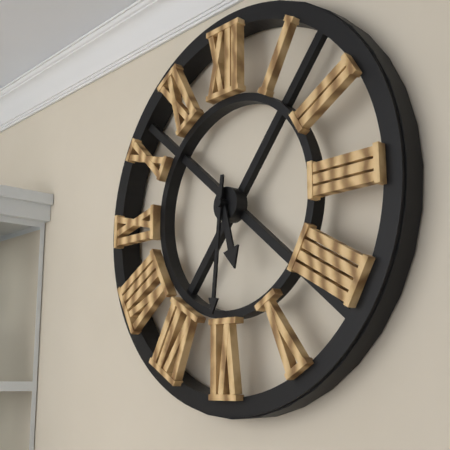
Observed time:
h=5 m=31
